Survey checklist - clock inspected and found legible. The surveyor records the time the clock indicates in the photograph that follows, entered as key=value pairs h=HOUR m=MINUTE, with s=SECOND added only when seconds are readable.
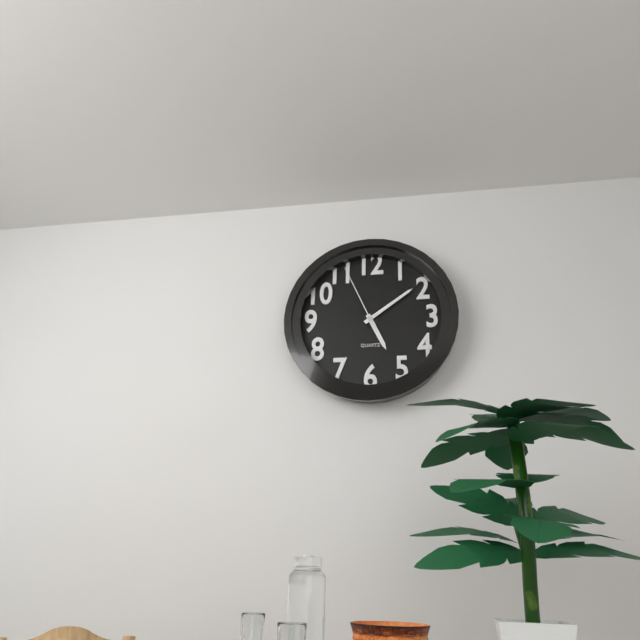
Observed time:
h=5 m=9 s=56
